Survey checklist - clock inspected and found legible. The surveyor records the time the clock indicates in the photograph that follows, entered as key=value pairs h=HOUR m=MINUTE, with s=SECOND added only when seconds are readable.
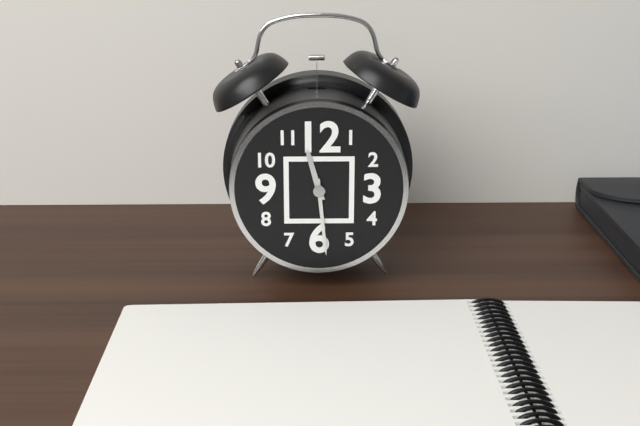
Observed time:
h=11 m=29
